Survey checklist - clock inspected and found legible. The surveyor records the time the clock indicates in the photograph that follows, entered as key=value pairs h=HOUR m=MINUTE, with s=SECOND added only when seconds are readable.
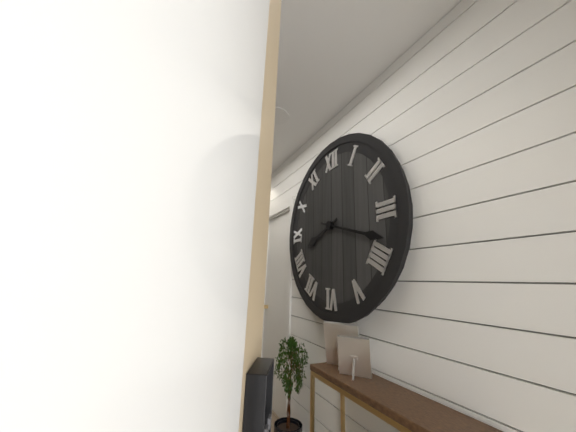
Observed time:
h=8 m=18
